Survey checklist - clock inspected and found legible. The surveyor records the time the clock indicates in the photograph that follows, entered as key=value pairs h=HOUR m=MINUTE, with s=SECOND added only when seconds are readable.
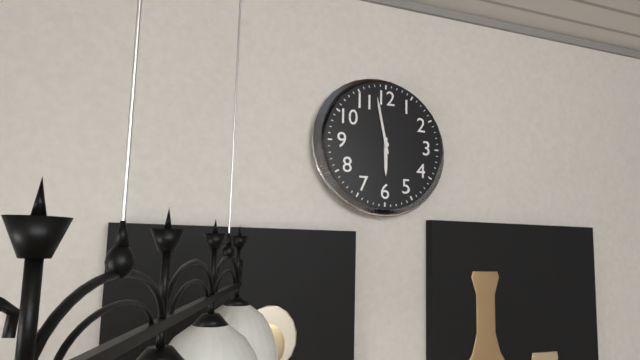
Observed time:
h=5 m=58
